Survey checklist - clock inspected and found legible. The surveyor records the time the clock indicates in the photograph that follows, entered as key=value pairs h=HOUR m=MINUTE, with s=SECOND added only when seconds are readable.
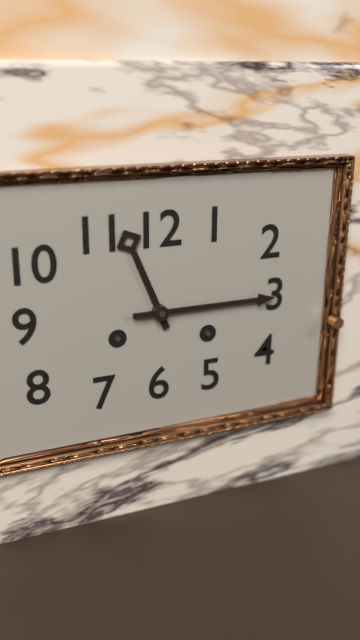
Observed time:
h=11 m=15
